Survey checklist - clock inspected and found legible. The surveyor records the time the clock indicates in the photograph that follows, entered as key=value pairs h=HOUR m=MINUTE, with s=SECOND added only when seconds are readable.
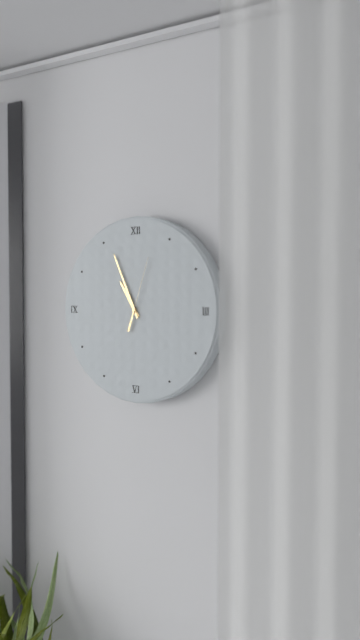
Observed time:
h=10 m=56 s=3
